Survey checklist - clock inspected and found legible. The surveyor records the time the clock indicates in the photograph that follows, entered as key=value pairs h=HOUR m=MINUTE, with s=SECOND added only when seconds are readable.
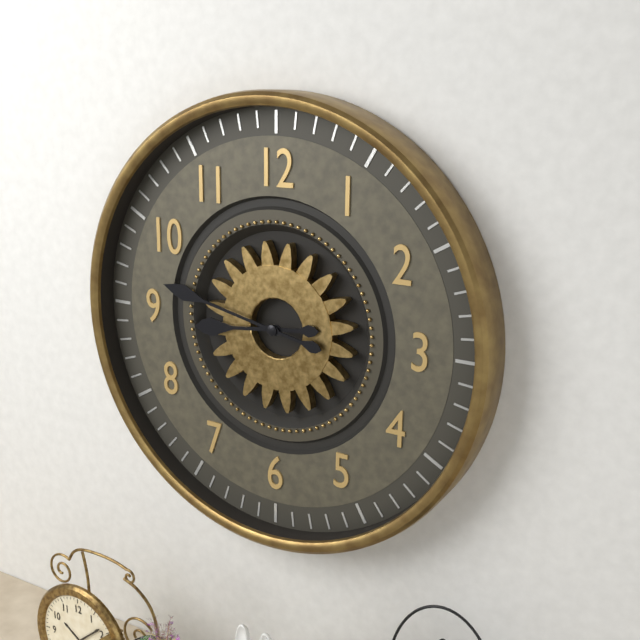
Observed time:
h=8 m=47
